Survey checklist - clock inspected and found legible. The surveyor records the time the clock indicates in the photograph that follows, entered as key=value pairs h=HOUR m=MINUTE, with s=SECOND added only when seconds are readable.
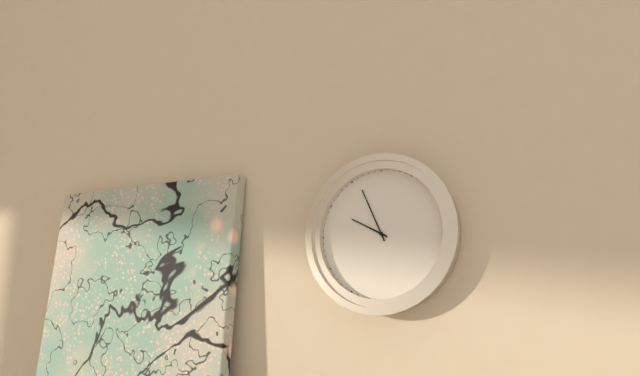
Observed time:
h=9 m=56
